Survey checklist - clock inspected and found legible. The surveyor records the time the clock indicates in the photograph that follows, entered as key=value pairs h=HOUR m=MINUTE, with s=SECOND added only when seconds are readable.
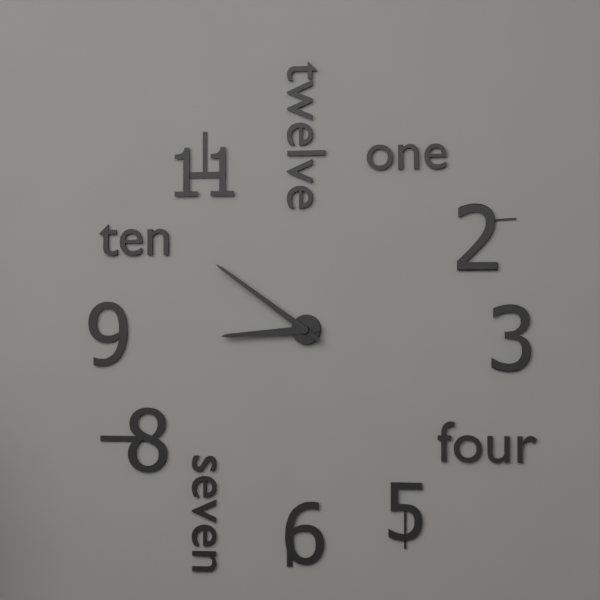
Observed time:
h=8 m=51
